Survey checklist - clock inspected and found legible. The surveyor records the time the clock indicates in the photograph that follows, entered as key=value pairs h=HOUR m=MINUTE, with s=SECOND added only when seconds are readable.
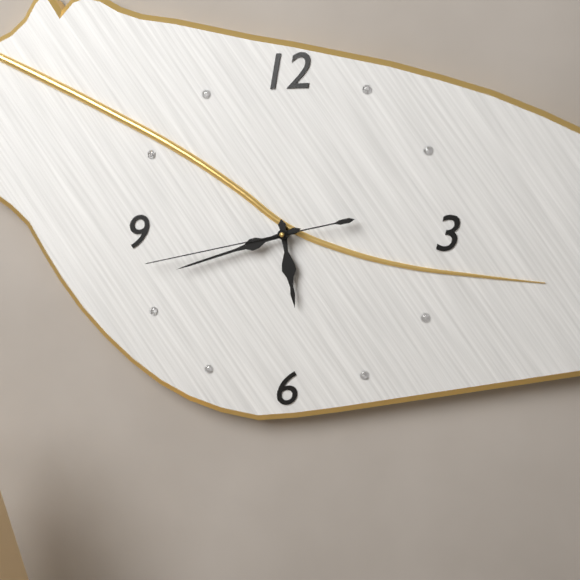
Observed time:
h=5 m=42 s=43
